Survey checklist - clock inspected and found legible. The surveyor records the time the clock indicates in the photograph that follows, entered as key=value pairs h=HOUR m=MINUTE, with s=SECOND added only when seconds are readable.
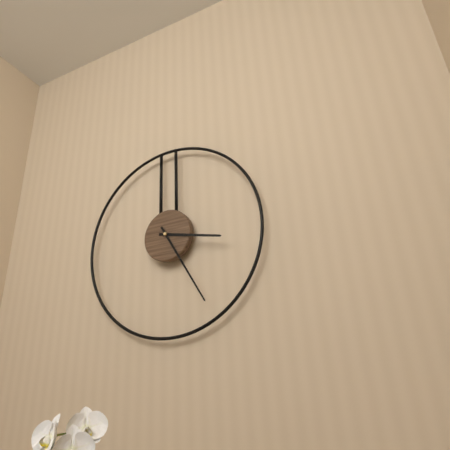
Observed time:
h=3 m=25
